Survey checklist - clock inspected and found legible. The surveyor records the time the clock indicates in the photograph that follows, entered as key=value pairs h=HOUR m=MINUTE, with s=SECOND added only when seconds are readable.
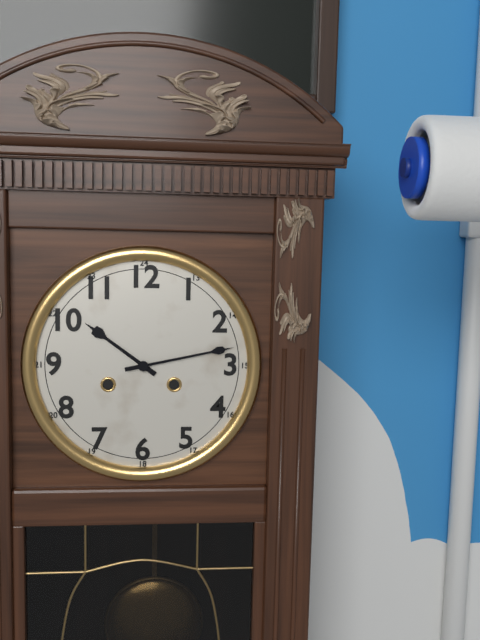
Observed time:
h=10 m=13
